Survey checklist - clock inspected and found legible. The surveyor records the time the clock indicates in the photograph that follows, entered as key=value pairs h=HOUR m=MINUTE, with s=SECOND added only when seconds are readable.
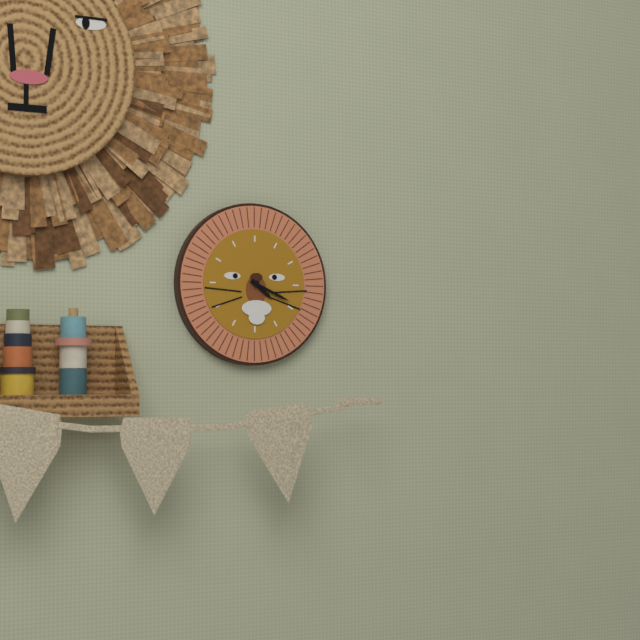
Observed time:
h=4 m=19
